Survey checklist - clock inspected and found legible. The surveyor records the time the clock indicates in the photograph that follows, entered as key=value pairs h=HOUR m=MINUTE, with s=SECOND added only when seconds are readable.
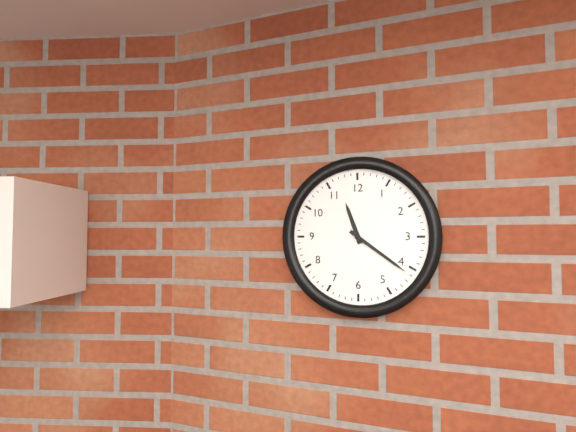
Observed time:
h=11 m=21
